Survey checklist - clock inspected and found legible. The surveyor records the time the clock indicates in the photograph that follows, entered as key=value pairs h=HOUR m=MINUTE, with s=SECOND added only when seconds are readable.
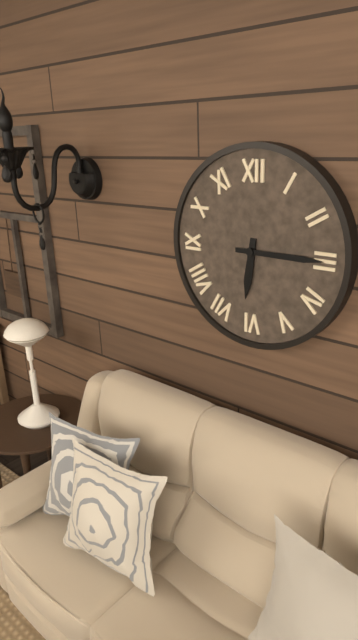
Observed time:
h=6 m=15
